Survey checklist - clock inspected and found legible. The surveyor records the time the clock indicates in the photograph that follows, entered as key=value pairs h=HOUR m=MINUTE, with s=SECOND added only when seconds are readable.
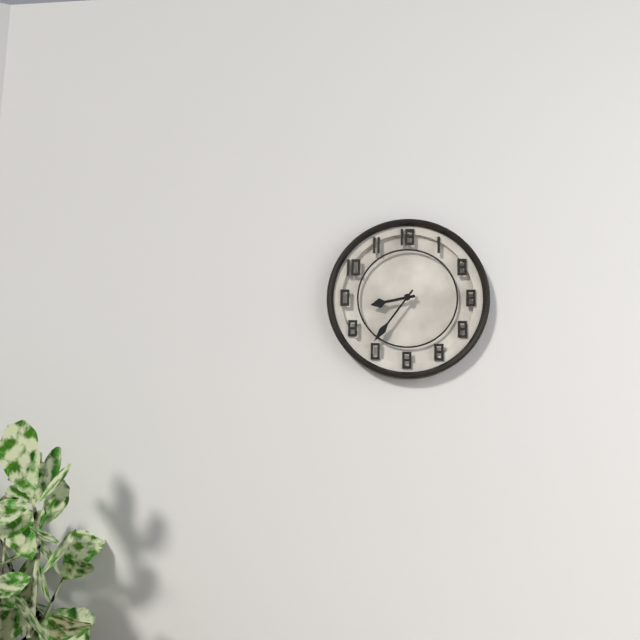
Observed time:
h=8 m=36
